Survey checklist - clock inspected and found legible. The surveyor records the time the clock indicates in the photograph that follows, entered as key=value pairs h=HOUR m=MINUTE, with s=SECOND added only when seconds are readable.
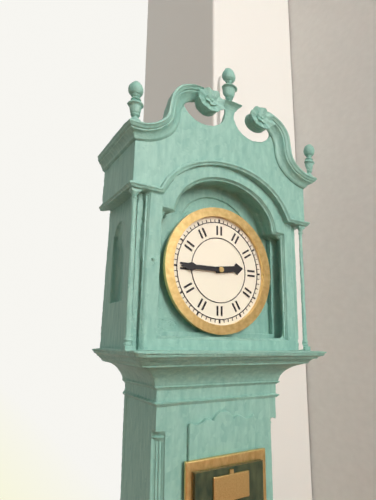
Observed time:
h=2 m=45
